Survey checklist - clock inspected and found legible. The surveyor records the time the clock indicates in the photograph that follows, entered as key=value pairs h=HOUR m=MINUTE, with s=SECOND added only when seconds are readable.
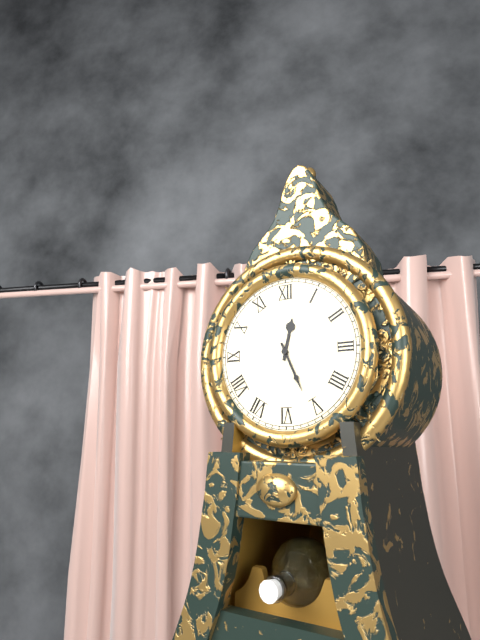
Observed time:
h=12 m=26
